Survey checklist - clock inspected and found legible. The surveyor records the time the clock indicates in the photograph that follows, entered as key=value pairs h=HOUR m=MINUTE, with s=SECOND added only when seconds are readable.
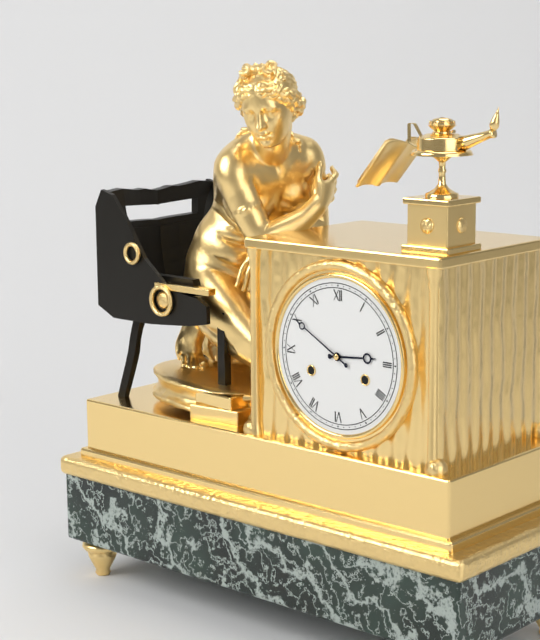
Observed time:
h=2 m=50
